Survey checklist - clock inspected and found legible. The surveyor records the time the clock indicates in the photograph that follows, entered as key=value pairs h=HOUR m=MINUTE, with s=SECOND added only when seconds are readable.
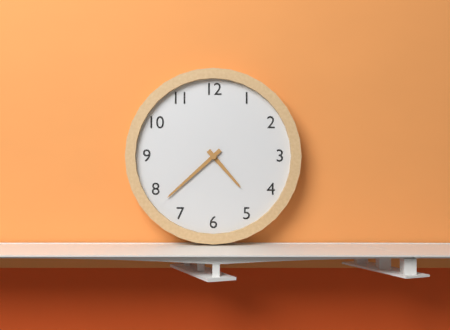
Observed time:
h=4 m=38
